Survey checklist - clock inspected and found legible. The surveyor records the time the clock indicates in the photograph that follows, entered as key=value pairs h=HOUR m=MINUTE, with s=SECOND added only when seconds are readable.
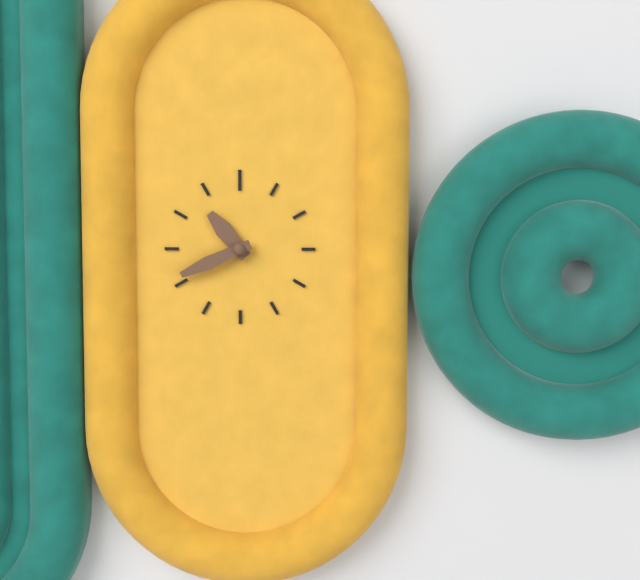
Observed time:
h=10 m=41
